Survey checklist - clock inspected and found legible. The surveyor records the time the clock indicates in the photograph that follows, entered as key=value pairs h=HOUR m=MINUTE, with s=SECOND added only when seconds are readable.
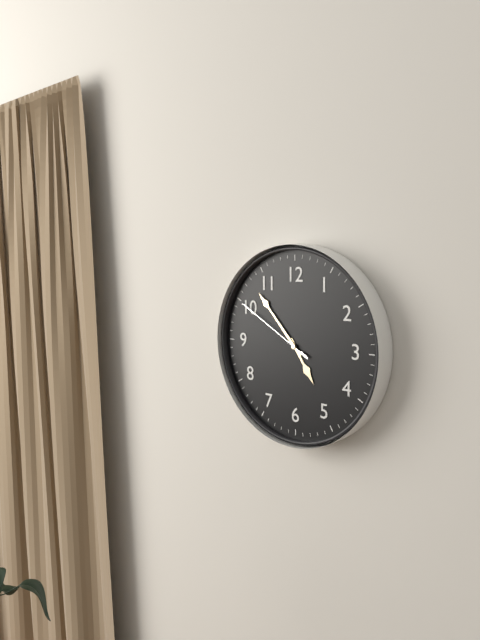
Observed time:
h=4 m=53 s=50
